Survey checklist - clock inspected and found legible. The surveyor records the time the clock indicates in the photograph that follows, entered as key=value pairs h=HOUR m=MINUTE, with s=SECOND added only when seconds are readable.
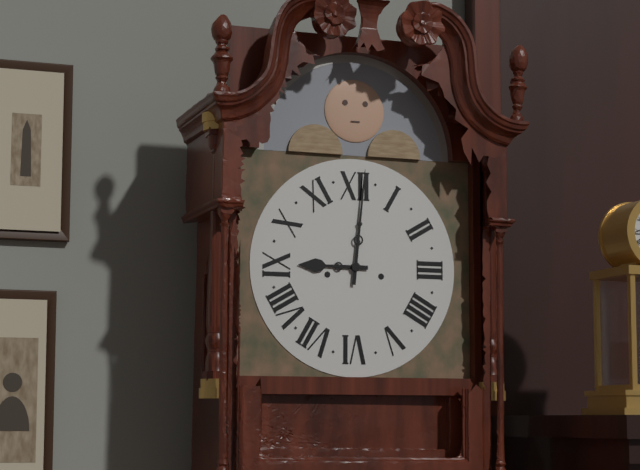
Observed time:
h=9 m=1
